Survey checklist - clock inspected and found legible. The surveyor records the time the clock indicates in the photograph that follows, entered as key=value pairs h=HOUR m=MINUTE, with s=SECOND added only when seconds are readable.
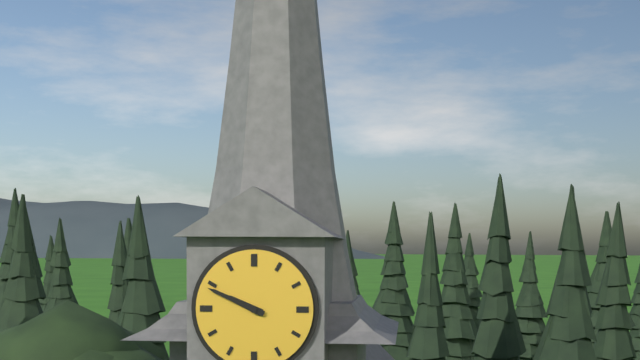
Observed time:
h=9 m=49
